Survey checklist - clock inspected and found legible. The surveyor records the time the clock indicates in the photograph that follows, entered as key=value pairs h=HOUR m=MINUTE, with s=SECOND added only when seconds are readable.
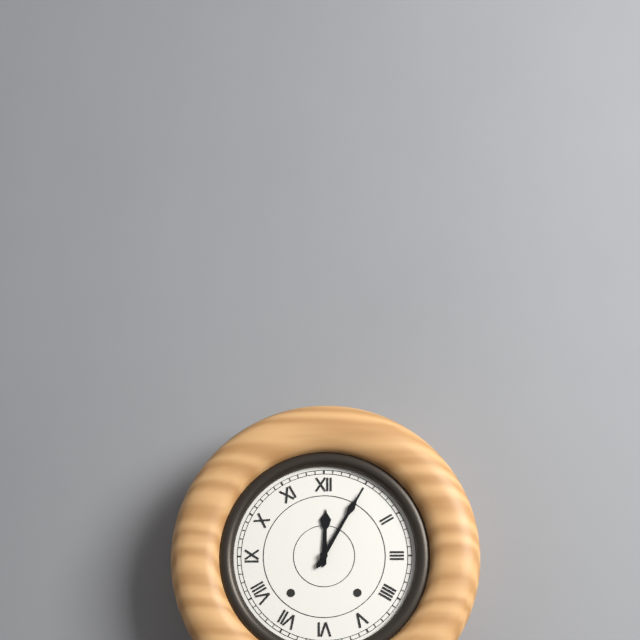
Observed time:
h=12 m=5
